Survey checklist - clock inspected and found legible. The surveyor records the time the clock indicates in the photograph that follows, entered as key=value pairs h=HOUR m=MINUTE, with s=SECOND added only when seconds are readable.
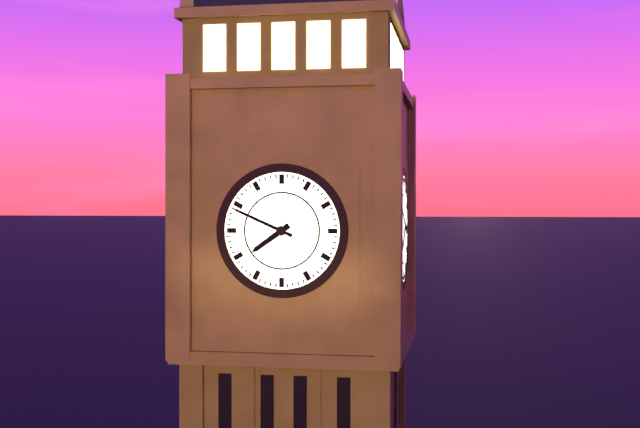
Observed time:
h=7 m=49
